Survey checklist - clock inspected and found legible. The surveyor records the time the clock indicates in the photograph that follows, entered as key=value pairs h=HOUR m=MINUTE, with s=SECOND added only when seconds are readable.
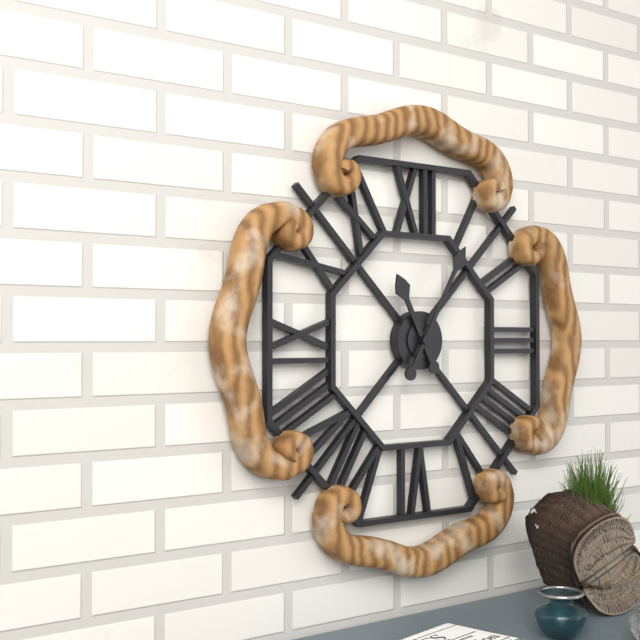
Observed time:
h=11 m=5
